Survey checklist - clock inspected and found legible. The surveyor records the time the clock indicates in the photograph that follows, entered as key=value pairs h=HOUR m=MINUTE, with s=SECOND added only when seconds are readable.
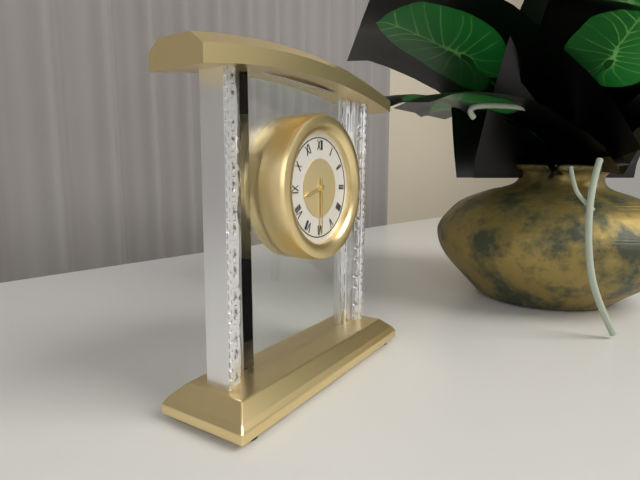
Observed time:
h=8 m=30
